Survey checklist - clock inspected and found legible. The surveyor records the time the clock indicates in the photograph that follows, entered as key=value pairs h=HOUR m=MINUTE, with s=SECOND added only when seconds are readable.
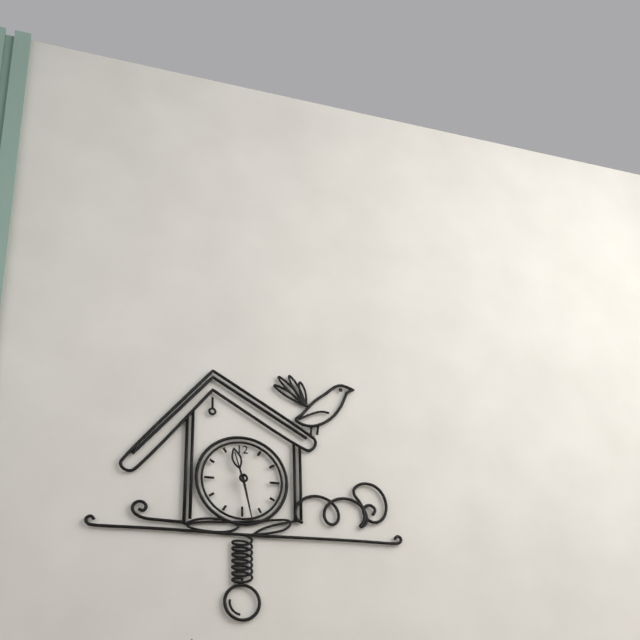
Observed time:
h=11 m=28
